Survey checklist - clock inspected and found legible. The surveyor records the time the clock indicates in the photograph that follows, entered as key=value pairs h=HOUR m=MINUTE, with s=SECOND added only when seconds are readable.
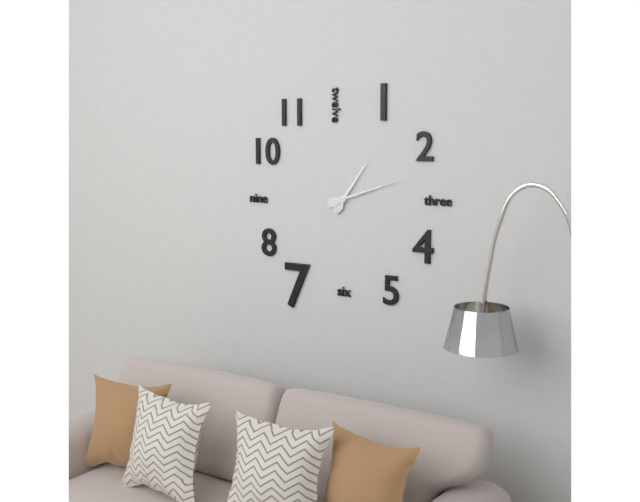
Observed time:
h=1 m=12
